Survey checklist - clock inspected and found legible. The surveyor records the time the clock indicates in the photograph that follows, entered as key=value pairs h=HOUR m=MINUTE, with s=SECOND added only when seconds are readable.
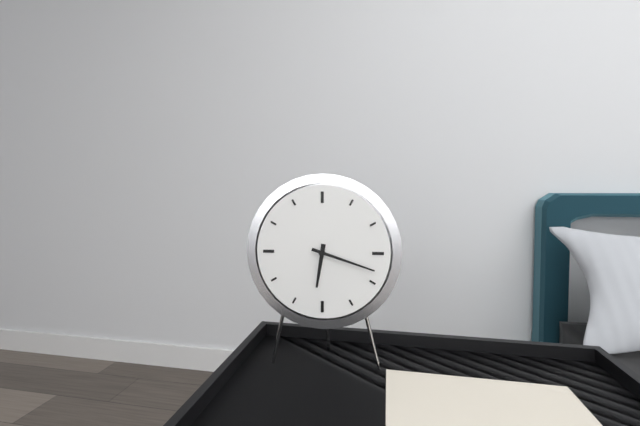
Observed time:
h=6 m=18
